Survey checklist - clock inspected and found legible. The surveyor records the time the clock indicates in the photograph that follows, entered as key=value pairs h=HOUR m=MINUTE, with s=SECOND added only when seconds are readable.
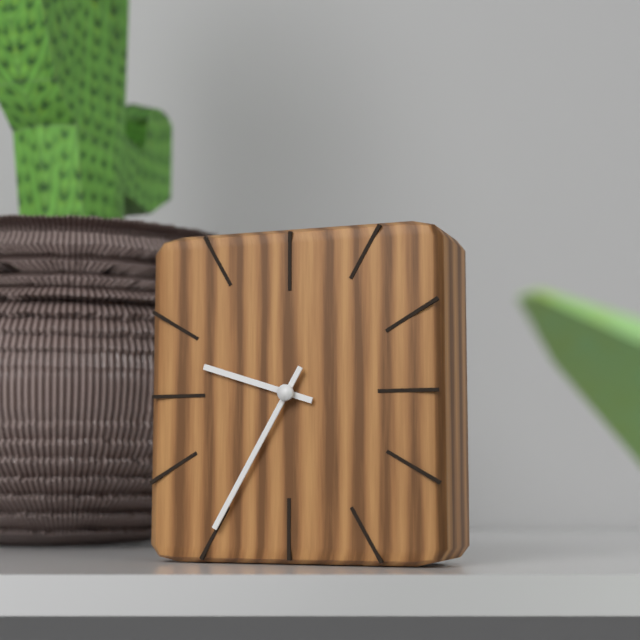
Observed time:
h=9 m=35
